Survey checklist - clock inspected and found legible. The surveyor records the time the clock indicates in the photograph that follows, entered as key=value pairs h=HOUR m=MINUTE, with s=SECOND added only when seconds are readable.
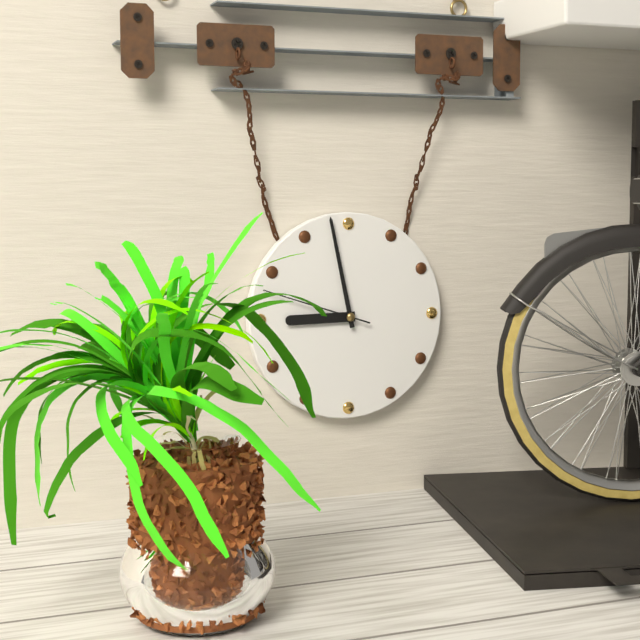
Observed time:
h=8 m=58 s=48
